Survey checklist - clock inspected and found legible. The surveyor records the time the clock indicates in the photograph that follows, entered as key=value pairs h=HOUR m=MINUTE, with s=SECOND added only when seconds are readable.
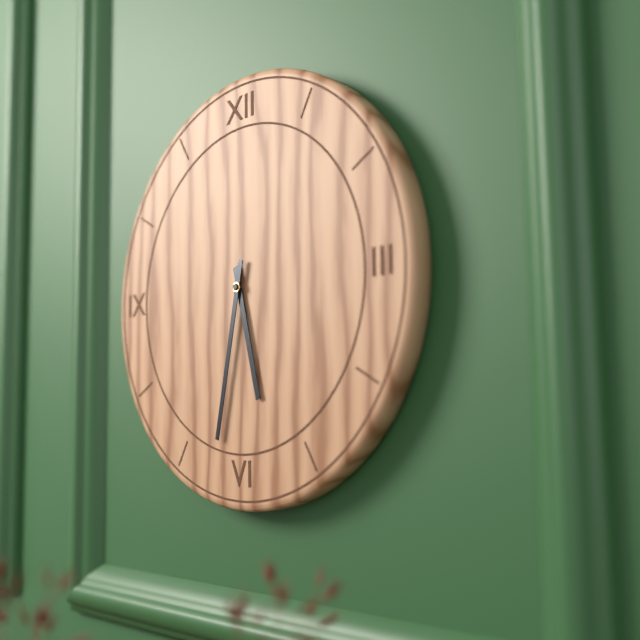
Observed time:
h=5 m=32
